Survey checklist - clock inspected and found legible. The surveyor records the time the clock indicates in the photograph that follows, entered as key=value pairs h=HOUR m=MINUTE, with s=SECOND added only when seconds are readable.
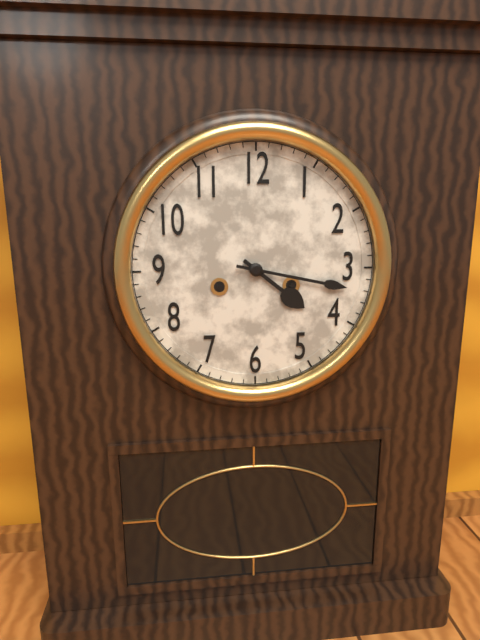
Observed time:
h=4 m=17
